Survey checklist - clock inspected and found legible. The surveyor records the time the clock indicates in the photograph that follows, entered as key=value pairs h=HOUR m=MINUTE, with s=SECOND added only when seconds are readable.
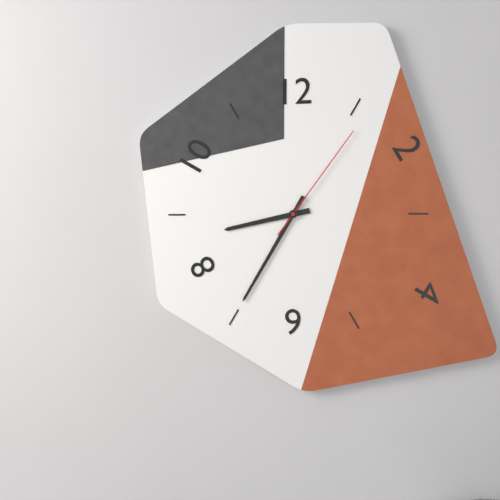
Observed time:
h=8 m=35 s=6
